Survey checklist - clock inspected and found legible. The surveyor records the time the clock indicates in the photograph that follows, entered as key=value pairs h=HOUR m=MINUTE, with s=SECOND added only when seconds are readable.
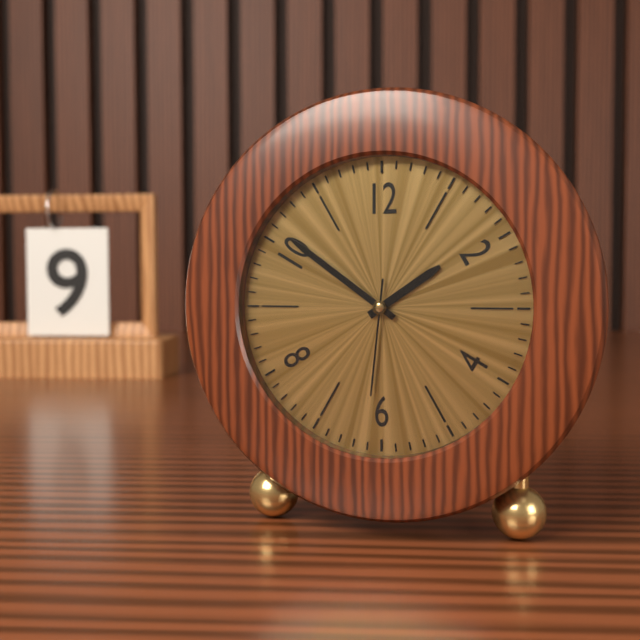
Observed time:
h=1 m=51 s=31
